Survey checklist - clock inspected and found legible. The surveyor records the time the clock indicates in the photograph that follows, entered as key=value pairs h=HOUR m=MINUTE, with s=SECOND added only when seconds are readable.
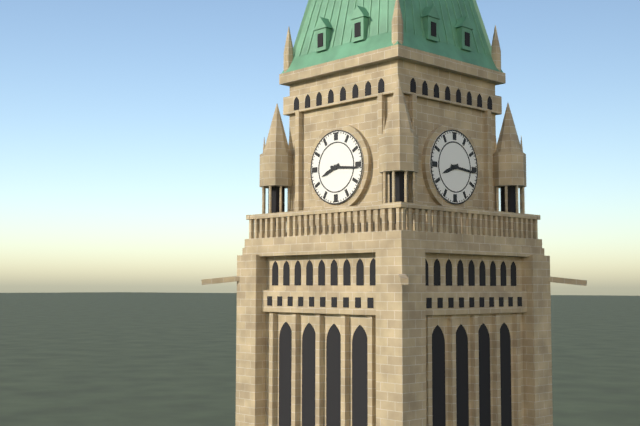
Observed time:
h=8 m=16
